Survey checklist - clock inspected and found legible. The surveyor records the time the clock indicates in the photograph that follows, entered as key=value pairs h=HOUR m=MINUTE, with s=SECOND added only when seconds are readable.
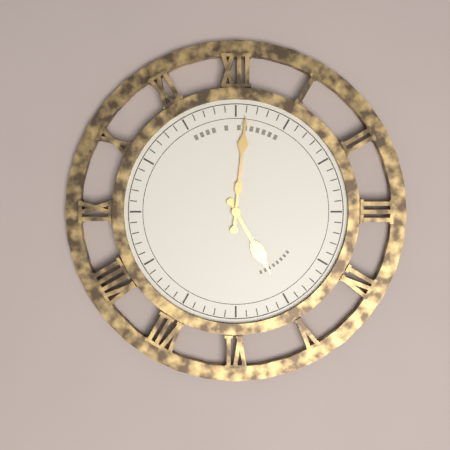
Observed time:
h=5 m=1
